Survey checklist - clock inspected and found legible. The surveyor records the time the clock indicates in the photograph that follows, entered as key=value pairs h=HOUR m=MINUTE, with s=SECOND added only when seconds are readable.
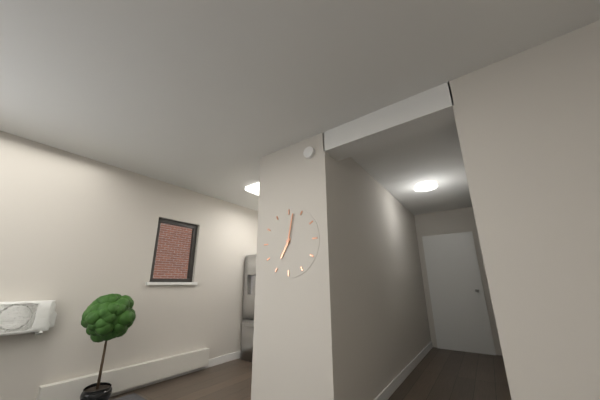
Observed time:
h=7 m=2
